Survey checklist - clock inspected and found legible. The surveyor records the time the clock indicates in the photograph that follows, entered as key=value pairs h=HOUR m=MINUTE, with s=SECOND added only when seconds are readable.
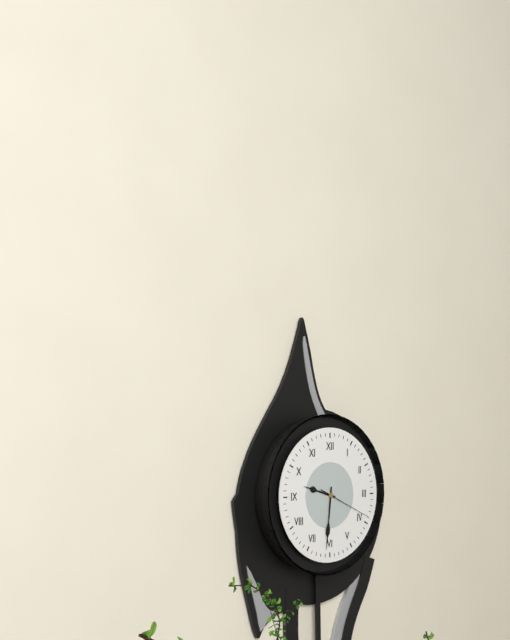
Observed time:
h=9 m=31 s=19
